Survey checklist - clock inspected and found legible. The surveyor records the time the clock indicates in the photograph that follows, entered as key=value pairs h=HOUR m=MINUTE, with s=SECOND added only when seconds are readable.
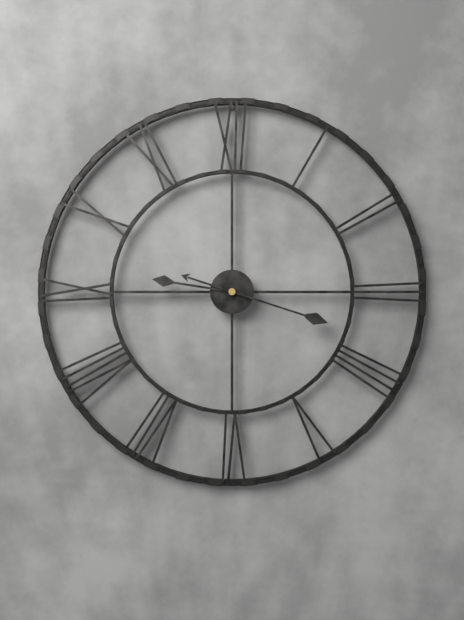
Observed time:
h=9 m=18
